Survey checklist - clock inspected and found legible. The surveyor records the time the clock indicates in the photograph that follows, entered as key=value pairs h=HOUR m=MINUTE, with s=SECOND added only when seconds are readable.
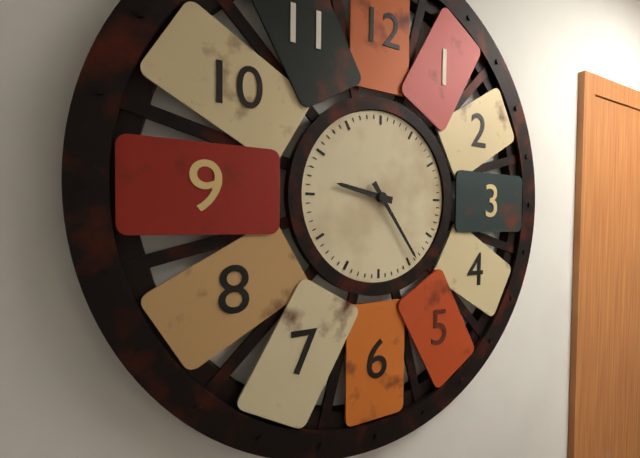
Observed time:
h=9 m=24
